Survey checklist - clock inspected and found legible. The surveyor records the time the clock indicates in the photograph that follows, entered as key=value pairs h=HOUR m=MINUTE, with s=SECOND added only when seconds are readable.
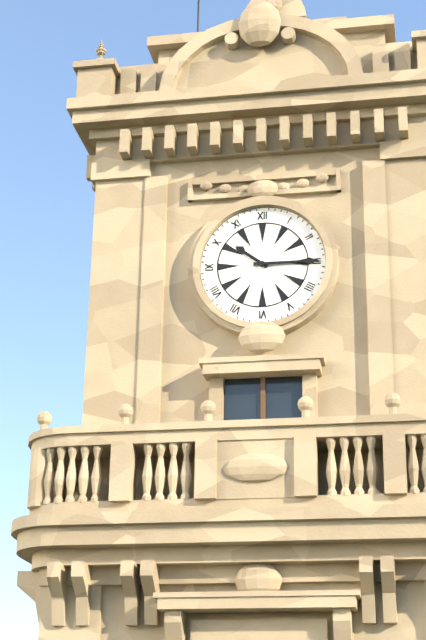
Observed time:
h=10 m=15
